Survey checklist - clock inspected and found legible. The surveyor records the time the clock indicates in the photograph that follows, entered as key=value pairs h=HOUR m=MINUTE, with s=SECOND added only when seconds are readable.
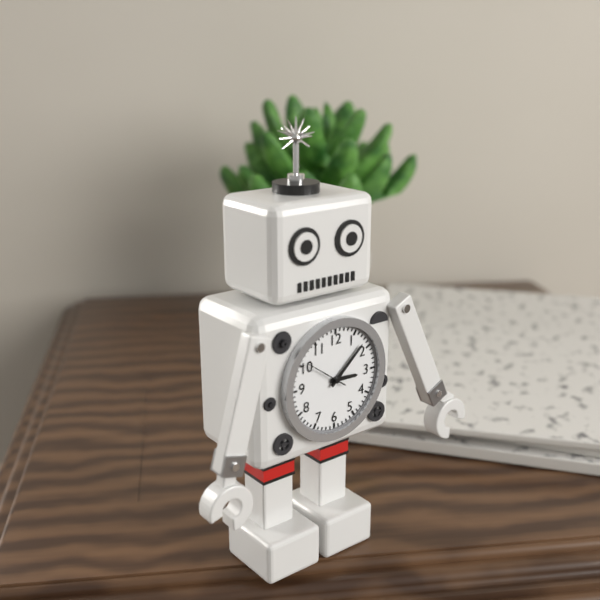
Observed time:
h=3 m=8
